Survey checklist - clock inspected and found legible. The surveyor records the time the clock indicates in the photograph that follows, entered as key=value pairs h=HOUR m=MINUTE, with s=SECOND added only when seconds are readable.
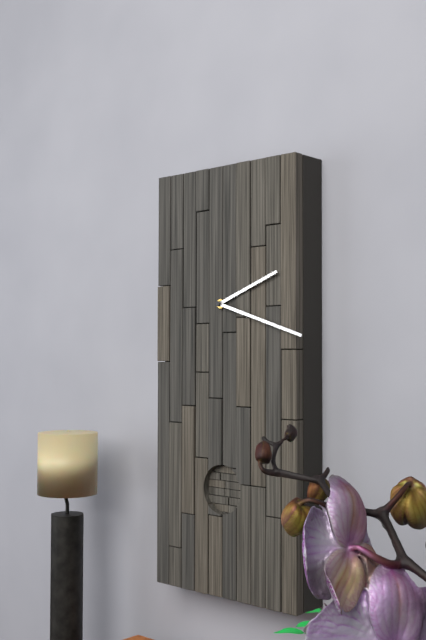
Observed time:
h=2 m=18
